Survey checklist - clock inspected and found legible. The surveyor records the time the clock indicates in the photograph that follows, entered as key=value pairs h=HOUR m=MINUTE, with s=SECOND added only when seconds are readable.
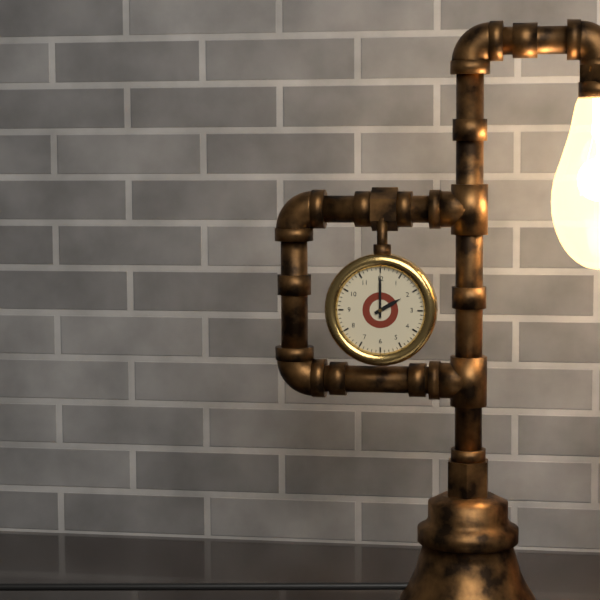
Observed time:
h=2 m=0
